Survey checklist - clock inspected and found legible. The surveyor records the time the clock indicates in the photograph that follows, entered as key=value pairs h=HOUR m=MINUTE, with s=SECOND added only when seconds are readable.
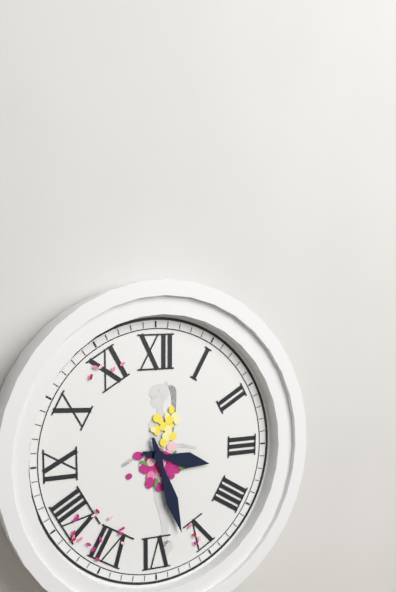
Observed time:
h=3 m=27
